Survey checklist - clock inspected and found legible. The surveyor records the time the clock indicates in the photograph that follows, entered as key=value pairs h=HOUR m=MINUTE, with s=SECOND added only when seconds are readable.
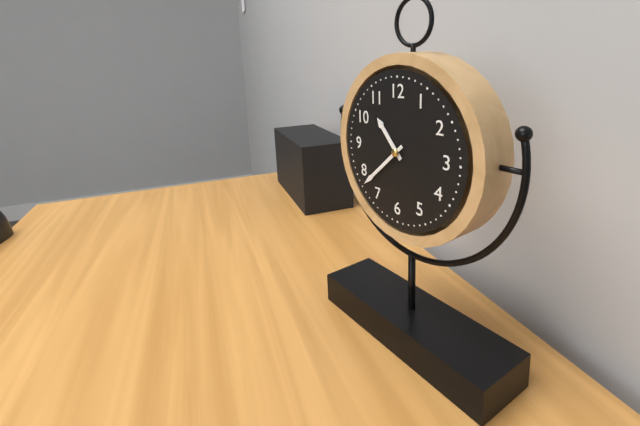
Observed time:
h=10 m=38
